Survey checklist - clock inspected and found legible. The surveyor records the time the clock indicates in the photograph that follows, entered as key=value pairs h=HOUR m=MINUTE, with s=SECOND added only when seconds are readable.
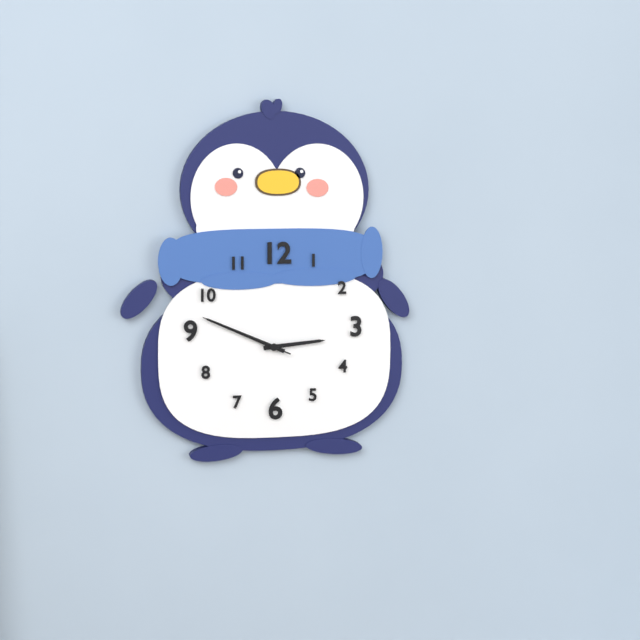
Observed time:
h=2 m=49 s=49
